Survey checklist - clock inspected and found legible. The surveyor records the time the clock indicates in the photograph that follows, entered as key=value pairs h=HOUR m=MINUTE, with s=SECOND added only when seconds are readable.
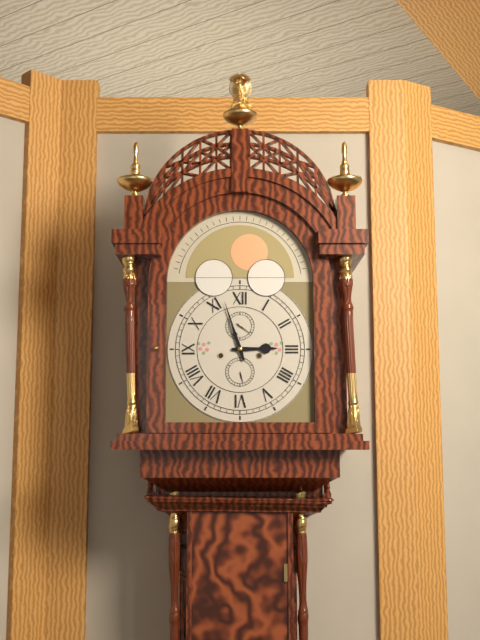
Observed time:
h=2 m=57
